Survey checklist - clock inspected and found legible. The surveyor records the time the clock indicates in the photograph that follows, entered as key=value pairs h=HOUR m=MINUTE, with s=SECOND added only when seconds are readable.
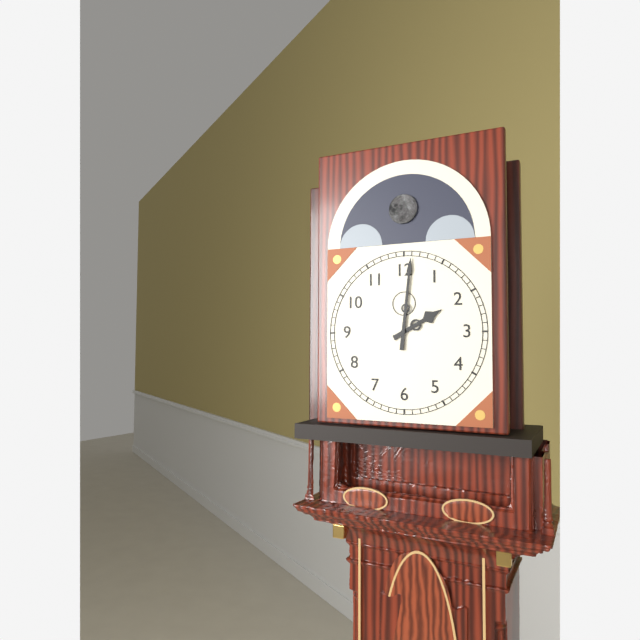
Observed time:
h=2 m=1
